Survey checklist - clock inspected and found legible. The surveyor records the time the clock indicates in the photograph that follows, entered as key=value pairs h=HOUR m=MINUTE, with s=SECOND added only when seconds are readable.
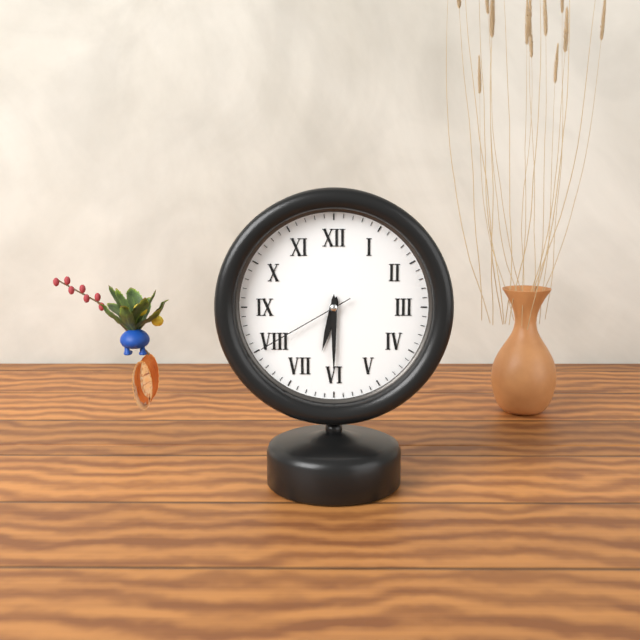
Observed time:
h=6 m=30 s=40
